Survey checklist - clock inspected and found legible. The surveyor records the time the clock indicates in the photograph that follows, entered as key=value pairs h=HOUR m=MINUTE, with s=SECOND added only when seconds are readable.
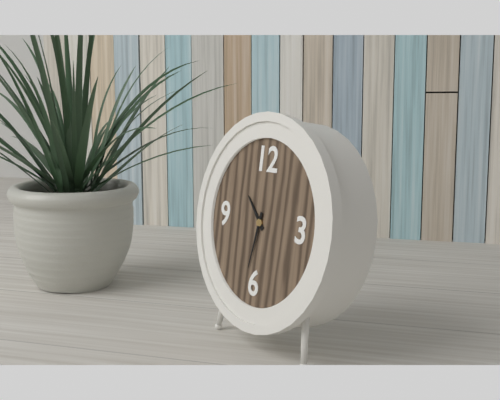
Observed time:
h=10 m=32
